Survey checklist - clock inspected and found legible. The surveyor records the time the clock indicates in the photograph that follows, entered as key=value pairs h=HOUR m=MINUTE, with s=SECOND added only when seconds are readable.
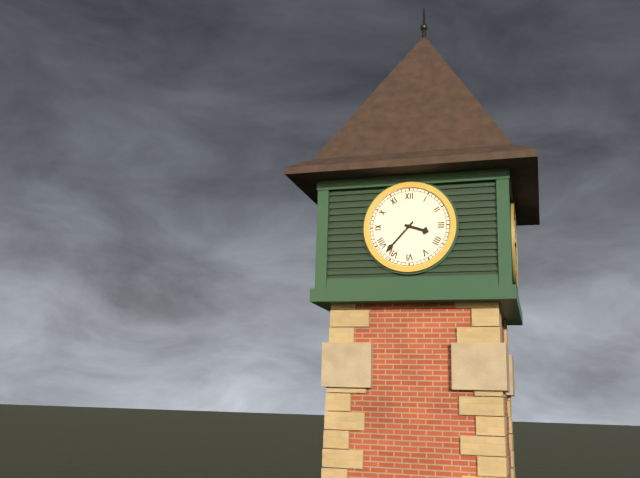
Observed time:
h=3 m=37
